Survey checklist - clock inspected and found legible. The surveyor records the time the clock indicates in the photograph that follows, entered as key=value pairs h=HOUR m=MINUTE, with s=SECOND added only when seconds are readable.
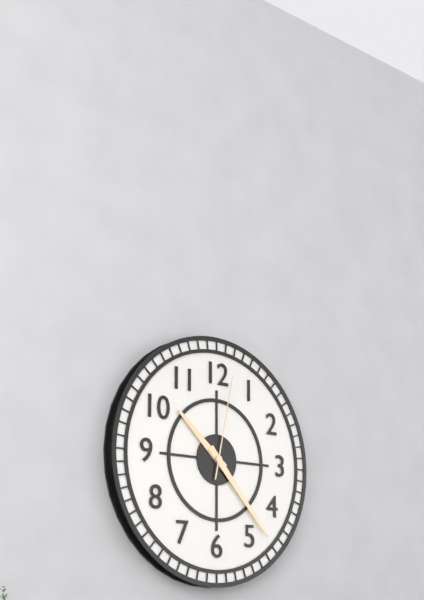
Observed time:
h=10 m=23 s=2
